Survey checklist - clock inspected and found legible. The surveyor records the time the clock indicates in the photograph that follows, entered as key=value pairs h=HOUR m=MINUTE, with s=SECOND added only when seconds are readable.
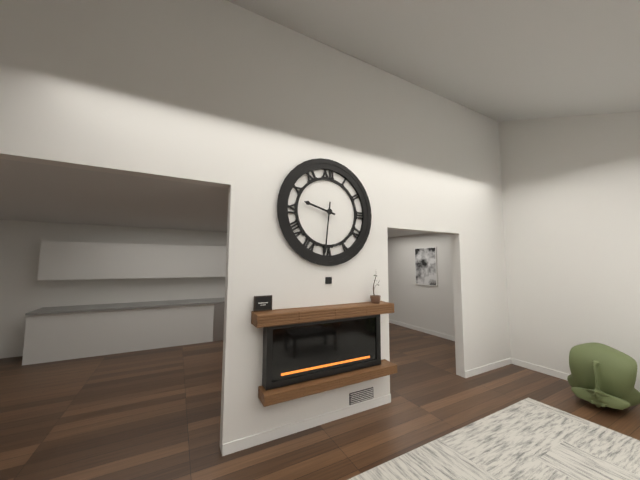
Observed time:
h=9 m=31
